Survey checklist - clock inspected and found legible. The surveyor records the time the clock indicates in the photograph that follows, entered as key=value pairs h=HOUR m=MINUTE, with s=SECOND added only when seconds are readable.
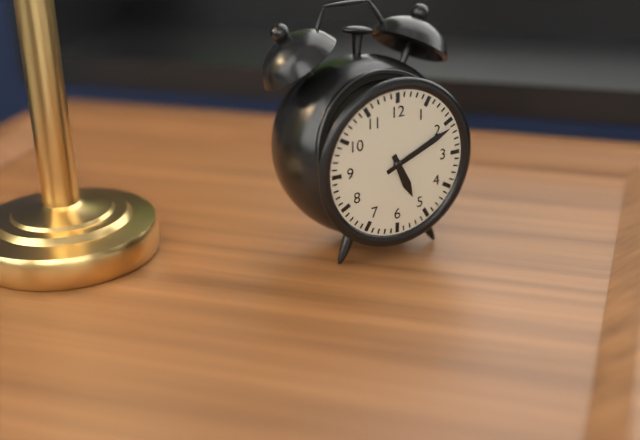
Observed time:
h=5 m=11
